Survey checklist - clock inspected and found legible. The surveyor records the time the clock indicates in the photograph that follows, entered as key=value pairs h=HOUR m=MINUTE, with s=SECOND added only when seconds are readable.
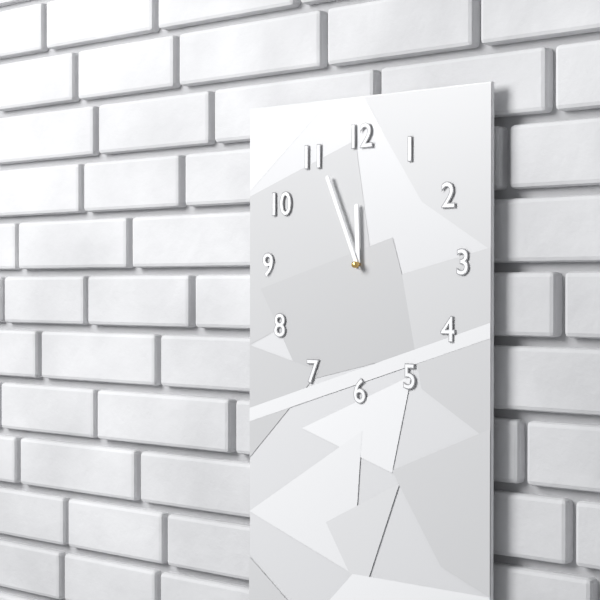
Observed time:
h=11 m=56
